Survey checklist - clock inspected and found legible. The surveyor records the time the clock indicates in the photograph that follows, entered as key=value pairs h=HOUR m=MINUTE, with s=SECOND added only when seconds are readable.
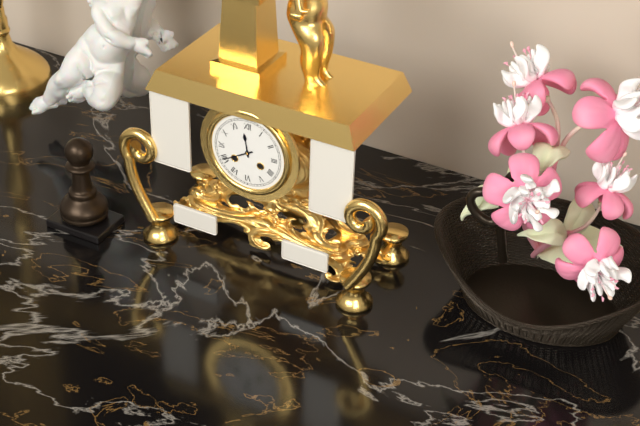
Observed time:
h=11 m=40
